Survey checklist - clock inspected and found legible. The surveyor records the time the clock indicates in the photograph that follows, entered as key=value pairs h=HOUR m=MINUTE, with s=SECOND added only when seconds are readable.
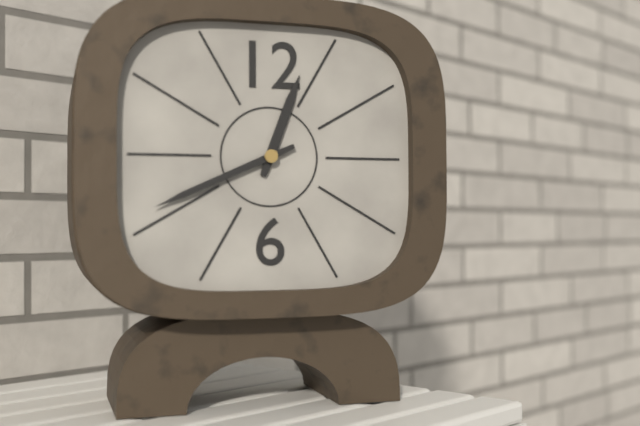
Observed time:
h=12 m=41
